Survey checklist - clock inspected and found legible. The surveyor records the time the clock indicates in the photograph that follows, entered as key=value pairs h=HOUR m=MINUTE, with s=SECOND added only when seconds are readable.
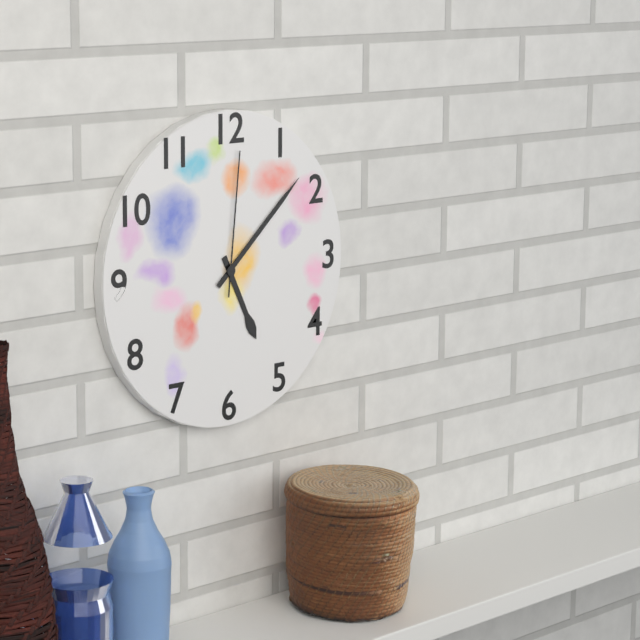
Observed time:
h=5 m=8 s=1
